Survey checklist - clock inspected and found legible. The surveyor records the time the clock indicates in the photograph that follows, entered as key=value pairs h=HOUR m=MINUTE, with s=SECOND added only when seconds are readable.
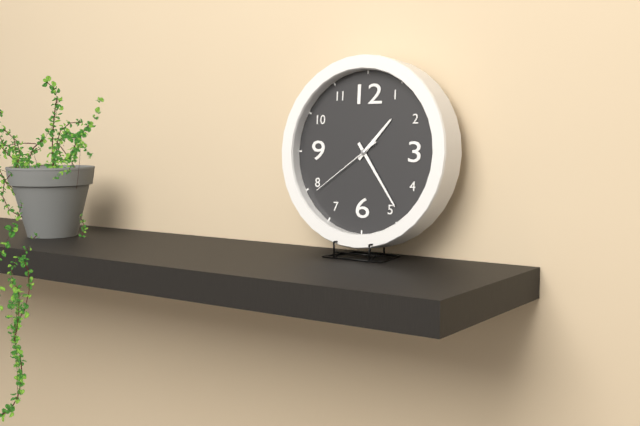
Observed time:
h=1 m=24 s=39
